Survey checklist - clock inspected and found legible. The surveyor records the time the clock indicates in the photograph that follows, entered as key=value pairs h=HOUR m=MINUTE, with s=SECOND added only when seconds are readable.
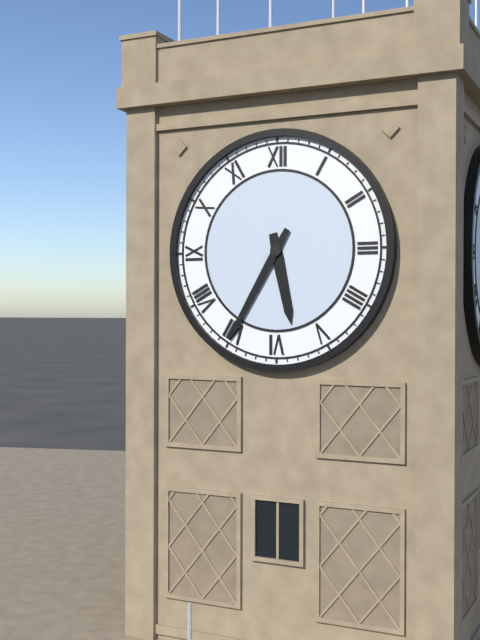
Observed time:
h=5 m=35
